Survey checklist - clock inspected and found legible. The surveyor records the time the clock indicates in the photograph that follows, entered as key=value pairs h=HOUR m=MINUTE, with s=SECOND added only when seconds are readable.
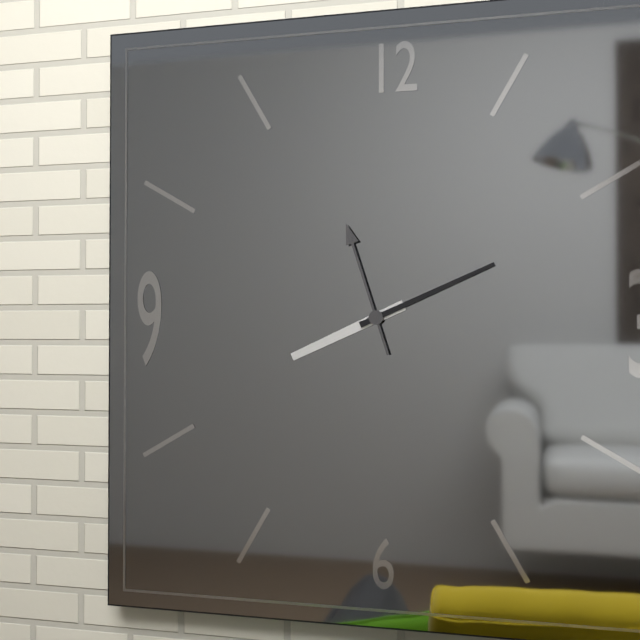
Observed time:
h=8 m=11 s=57
